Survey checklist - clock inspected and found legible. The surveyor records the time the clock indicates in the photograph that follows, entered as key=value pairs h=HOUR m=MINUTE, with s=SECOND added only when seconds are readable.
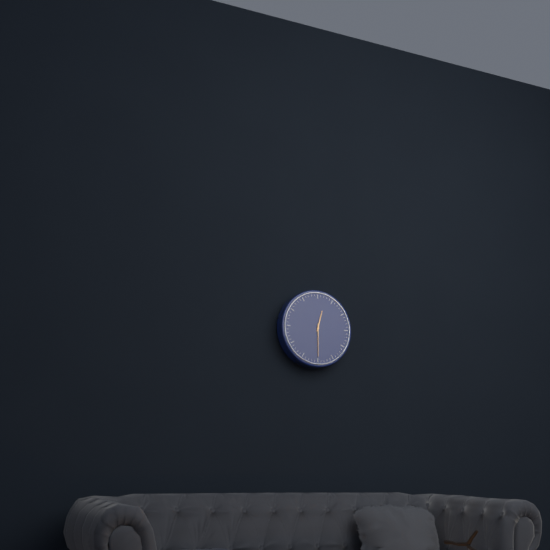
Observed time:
h=12 m=30
